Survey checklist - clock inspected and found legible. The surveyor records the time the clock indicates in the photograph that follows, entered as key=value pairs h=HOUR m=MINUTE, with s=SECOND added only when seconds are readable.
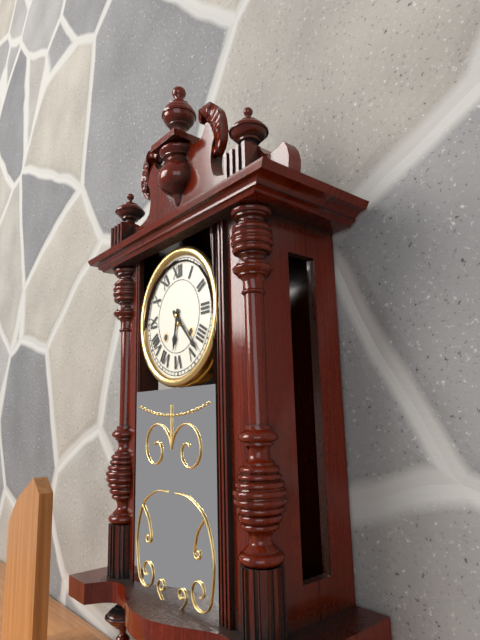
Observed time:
h=6 m=23
